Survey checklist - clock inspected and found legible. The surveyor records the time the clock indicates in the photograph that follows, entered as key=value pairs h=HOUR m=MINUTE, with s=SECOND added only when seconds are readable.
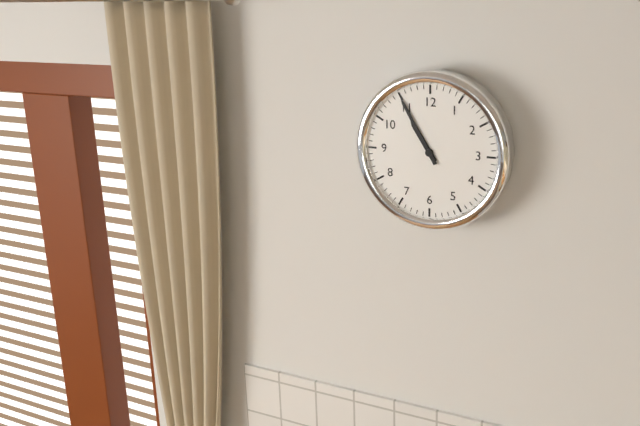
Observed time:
h=10 m=55
